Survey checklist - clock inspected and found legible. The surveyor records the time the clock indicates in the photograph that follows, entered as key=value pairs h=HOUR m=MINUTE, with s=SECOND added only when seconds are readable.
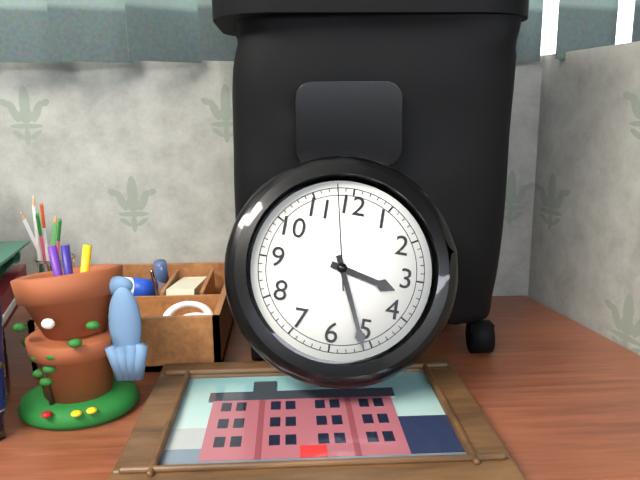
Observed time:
h=3 m=26 s=58
